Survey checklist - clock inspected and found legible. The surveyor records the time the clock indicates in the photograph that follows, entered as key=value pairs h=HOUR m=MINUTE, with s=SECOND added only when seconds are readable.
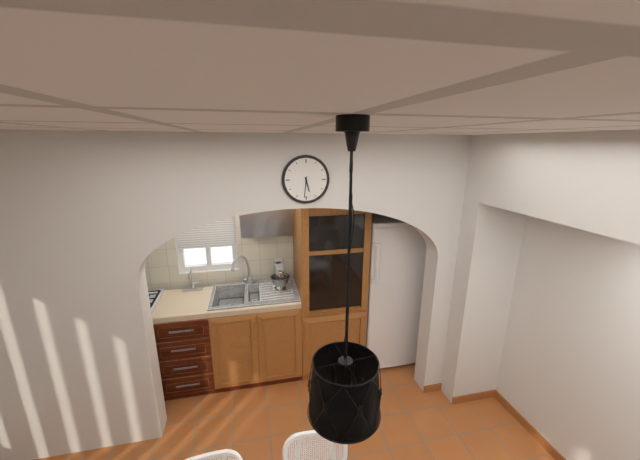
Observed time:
h=5 m=31
